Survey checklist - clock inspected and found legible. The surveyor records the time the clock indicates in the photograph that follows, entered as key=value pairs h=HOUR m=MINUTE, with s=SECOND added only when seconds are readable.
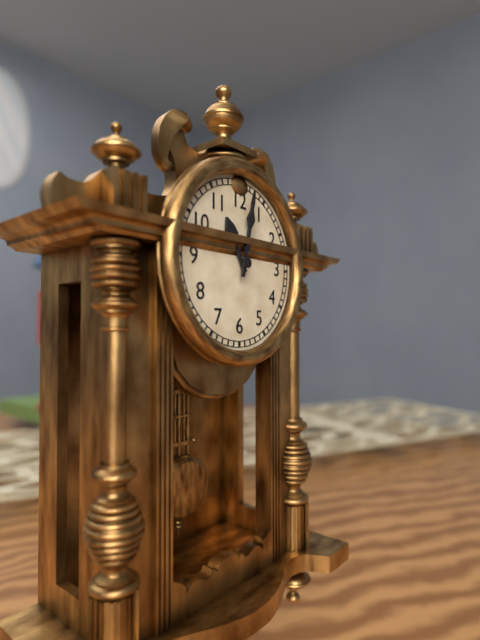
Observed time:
h=11 m=2
